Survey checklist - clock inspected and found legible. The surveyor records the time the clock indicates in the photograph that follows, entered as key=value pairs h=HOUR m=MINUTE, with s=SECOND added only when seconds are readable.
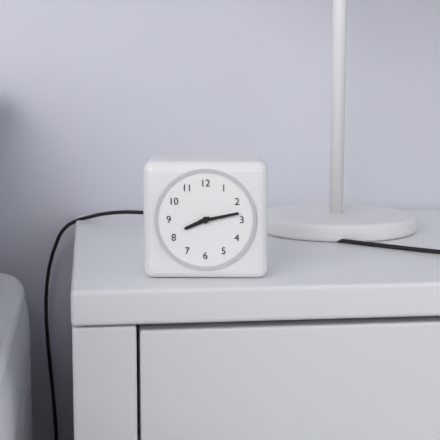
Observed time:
h=8 m=13
